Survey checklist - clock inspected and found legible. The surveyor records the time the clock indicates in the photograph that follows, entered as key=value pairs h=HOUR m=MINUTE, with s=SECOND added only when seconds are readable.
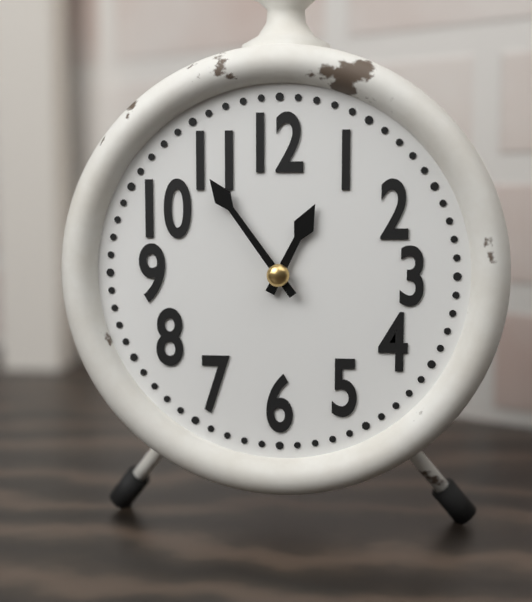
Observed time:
h=12 m=54
